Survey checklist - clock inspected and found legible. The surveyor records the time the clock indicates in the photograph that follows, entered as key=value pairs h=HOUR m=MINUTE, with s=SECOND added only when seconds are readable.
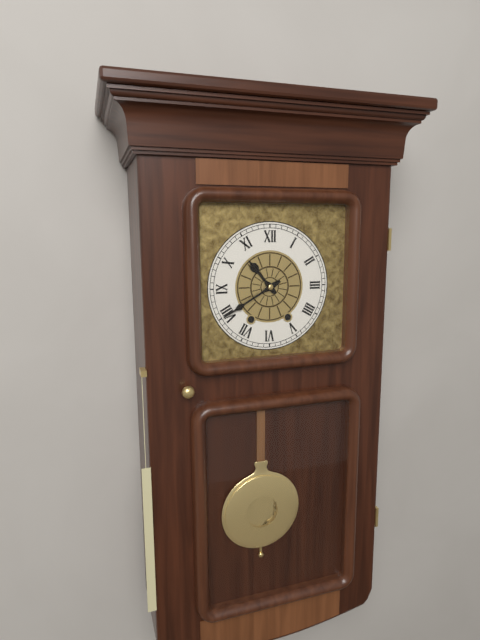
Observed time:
h=10 m=40
